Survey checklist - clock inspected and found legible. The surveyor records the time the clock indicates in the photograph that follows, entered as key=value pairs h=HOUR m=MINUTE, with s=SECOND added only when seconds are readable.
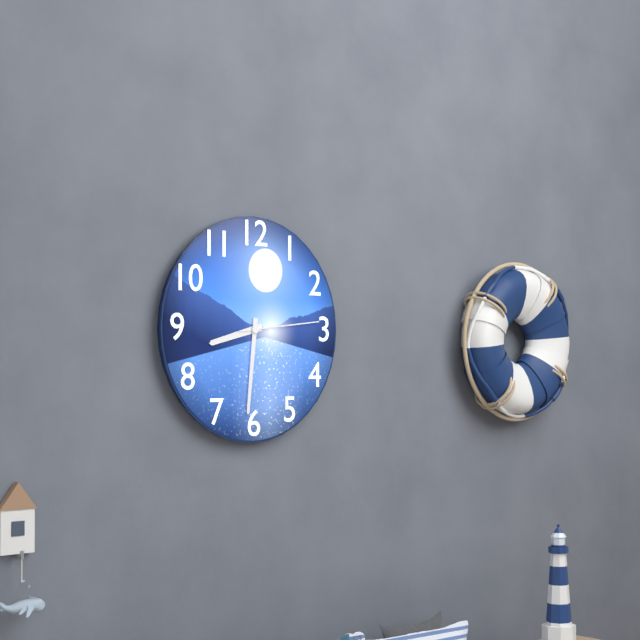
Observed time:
h=8 m=31 s=14
